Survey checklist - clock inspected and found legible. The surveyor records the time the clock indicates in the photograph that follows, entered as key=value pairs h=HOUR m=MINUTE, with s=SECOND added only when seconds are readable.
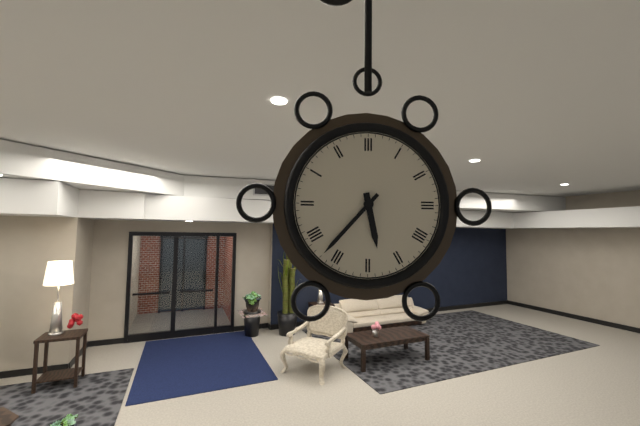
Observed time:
h=5 m=37
